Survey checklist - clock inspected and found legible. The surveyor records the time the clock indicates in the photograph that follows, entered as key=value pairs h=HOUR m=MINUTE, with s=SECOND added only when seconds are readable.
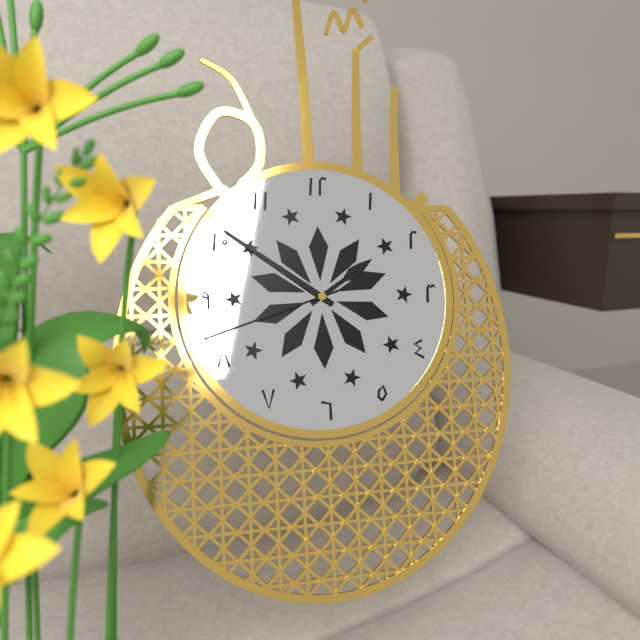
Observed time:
h=1 m=51 s=42
